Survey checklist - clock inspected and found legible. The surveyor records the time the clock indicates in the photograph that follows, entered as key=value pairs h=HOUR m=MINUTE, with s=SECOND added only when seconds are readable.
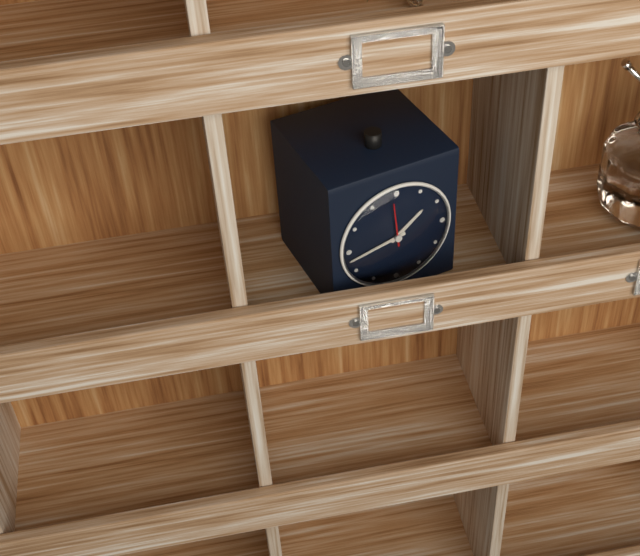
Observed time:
h=1 m=43
